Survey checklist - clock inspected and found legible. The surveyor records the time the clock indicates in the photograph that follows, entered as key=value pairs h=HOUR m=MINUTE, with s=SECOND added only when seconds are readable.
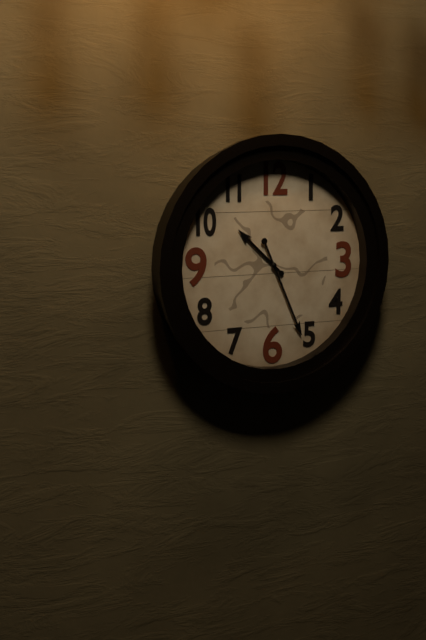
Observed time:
h=10 m=26
